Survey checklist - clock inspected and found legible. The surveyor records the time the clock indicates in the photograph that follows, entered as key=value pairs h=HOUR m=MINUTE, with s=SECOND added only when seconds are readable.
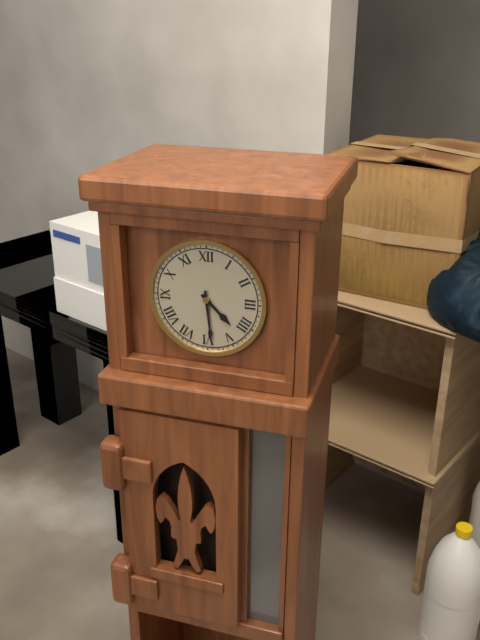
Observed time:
h=4 m=29
